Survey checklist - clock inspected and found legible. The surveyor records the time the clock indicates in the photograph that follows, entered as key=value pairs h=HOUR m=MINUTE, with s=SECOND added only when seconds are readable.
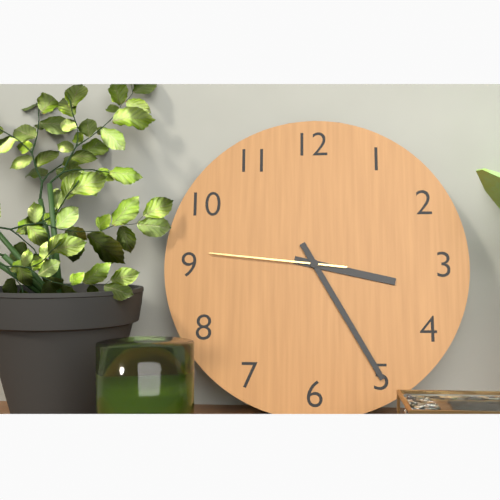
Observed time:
h=3 m=25 s=46
